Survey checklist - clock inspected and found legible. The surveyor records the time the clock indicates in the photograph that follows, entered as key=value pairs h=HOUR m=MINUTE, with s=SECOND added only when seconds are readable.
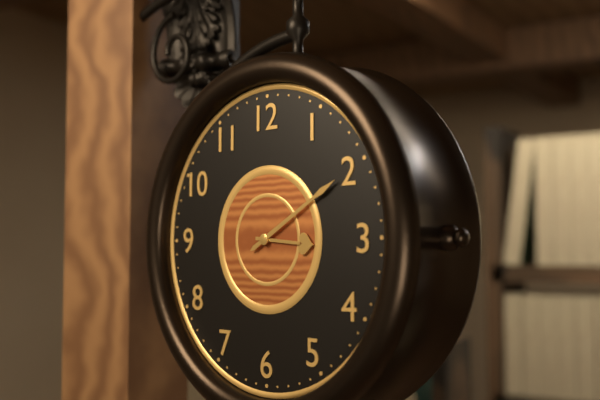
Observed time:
h=3 m=10
